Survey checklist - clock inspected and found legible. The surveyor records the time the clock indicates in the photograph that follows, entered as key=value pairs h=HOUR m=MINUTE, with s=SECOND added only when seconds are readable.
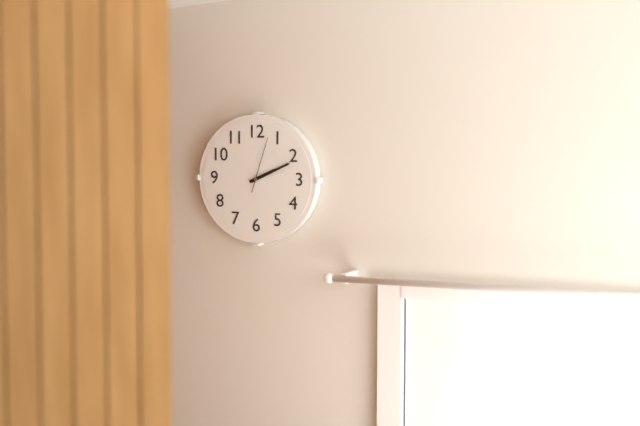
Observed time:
h=2 m=11 s=3
